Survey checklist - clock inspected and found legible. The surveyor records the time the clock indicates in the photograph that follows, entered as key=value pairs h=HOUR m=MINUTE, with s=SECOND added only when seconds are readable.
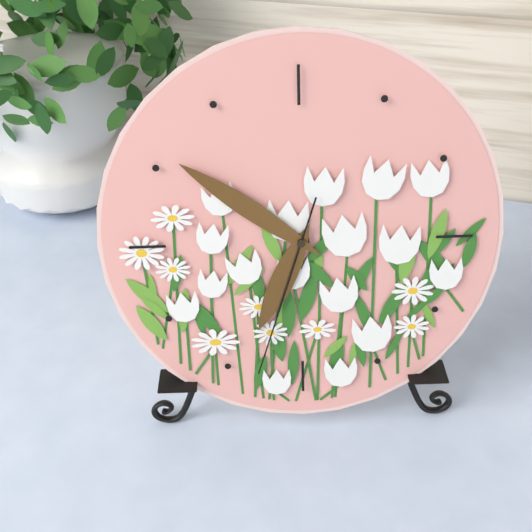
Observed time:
h=6 m=51 s=33
